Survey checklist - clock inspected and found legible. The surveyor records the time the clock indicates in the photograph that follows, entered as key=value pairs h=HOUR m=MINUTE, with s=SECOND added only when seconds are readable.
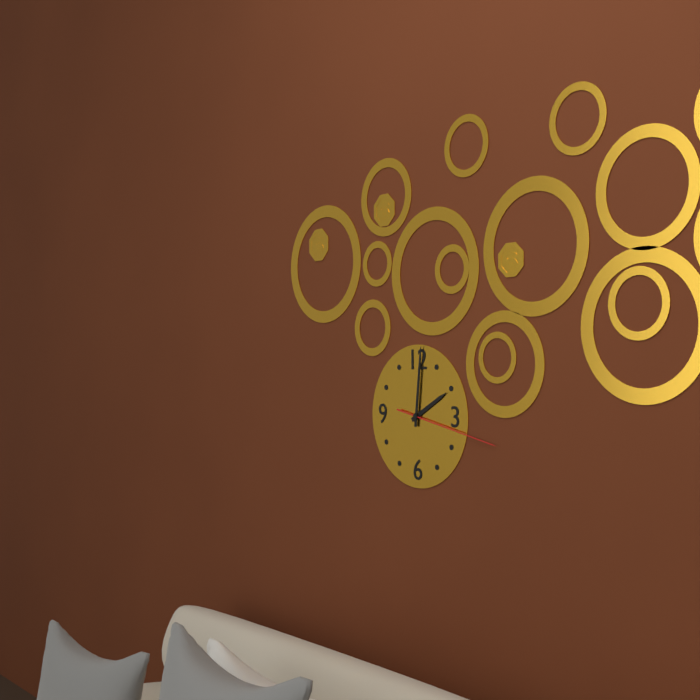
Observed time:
h=2 m=1 s=17
